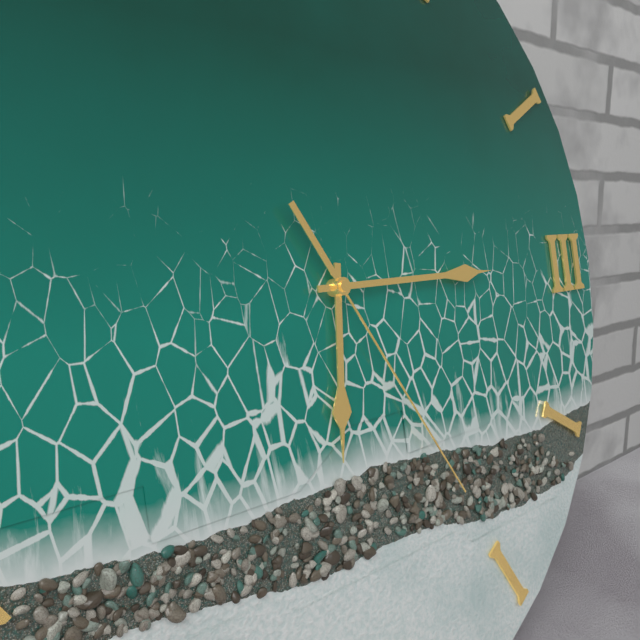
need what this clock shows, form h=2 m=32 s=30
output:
h=6 m=15 s=25
